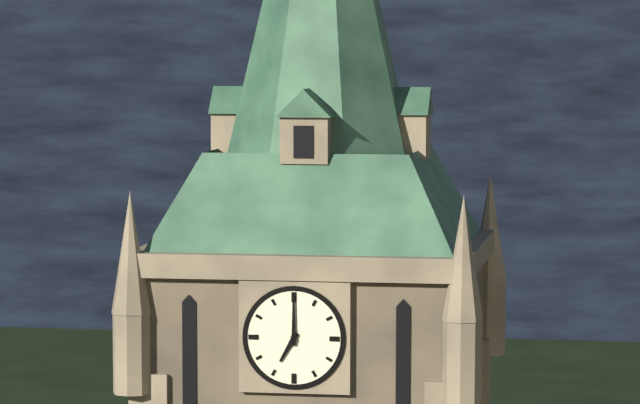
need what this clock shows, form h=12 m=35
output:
h=7 m=0
